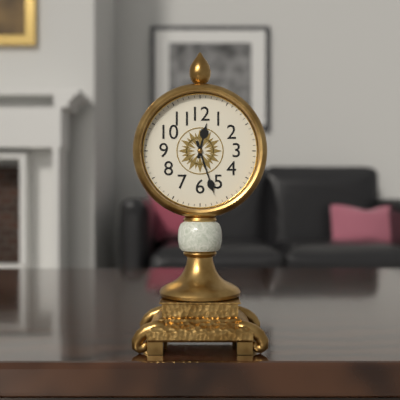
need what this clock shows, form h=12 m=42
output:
h=12 m=27
